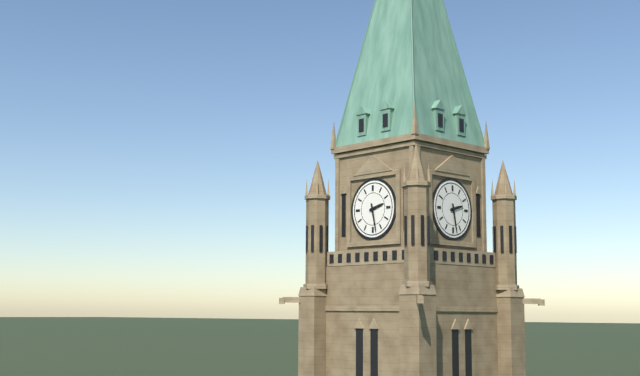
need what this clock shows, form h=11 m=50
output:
h=2 m=28
